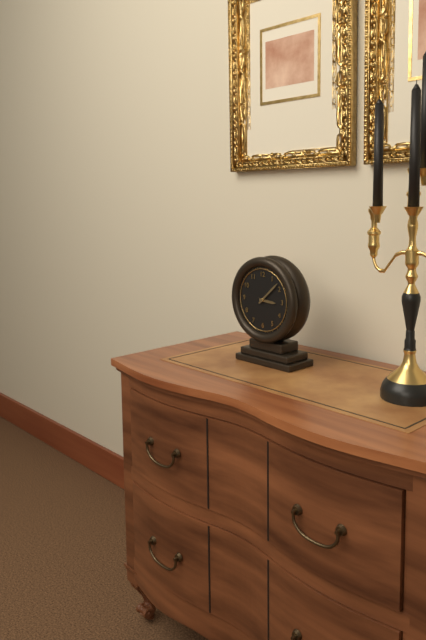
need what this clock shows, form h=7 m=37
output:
h=3 m=8
